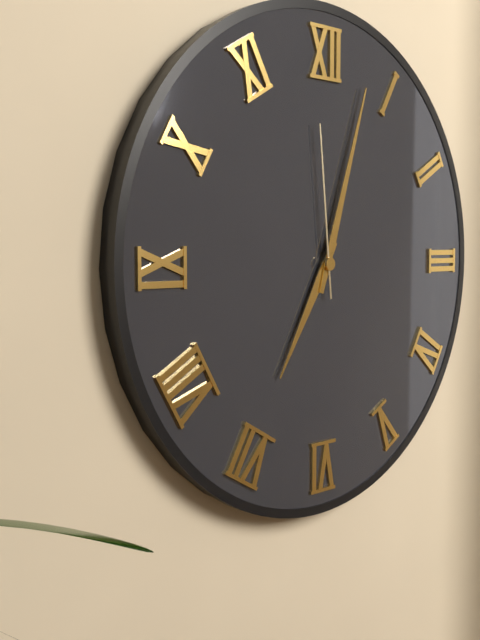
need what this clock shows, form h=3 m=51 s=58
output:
h=7 m=3 s=59
